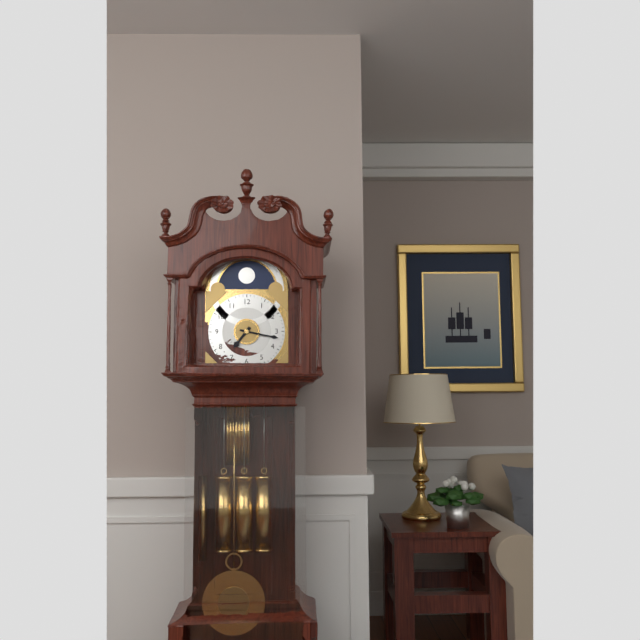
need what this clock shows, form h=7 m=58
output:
h=7 m=17
